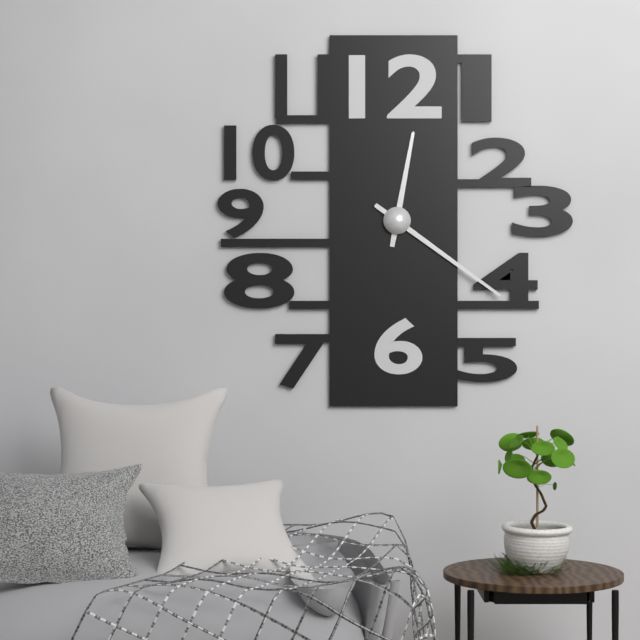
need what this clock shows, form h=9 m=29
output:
h=12 m=21
